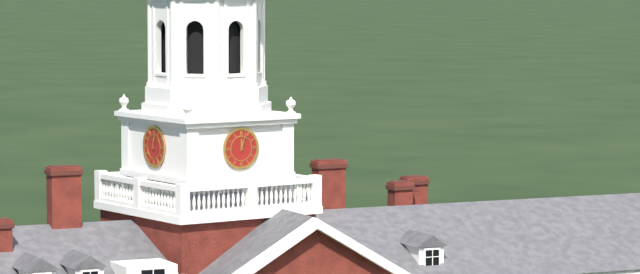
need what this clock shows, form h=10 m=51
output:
h=12 m=3
